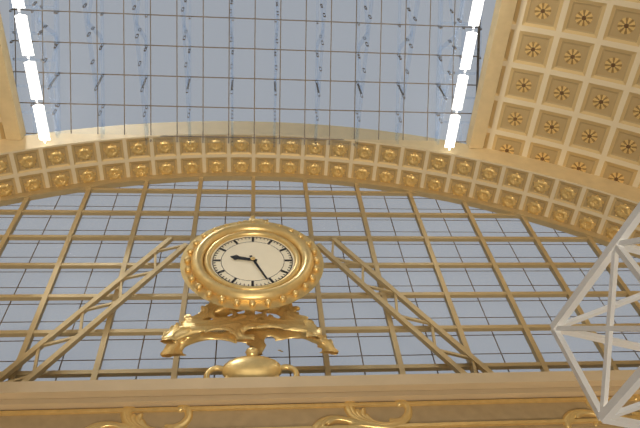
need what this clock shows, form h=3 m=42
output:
h=9 m=26
